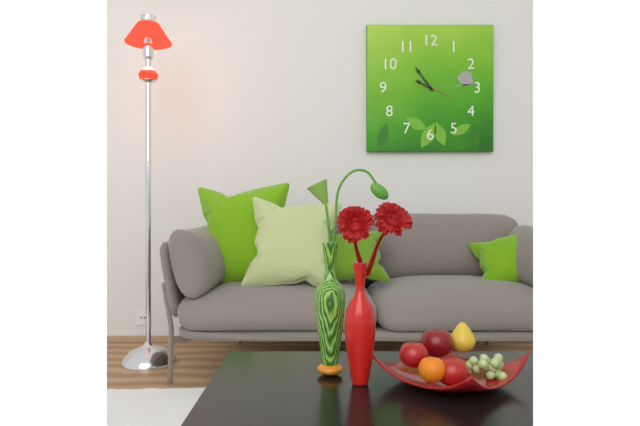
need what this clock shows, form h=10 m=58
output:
h=9 m=54
